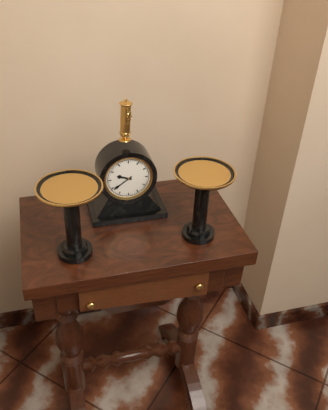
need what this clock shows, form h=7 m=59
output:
h=9 m=39
